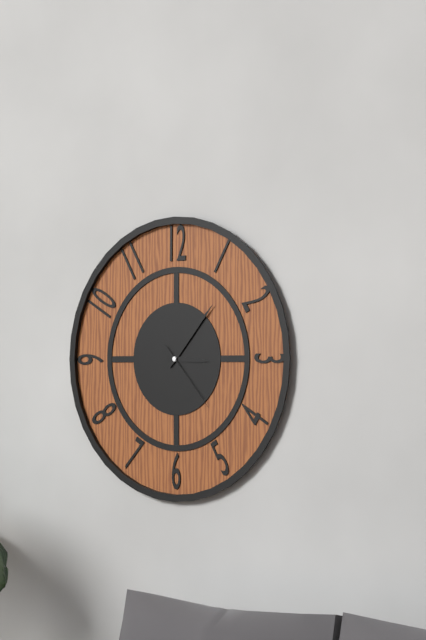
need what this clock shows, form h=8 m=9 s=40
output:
h=3 m=7 s=23
